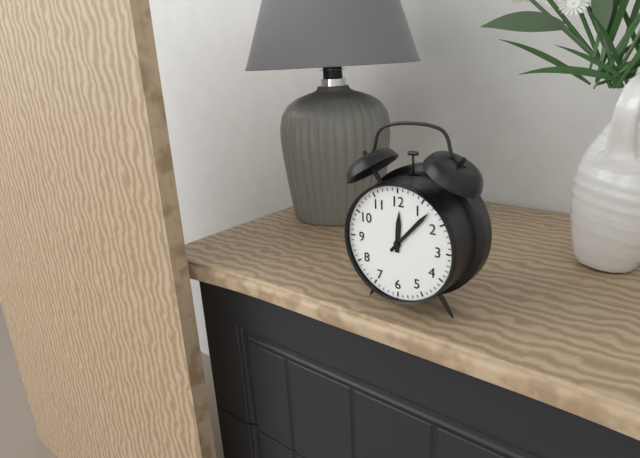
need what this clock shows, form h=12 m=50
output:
h=12 m=7
